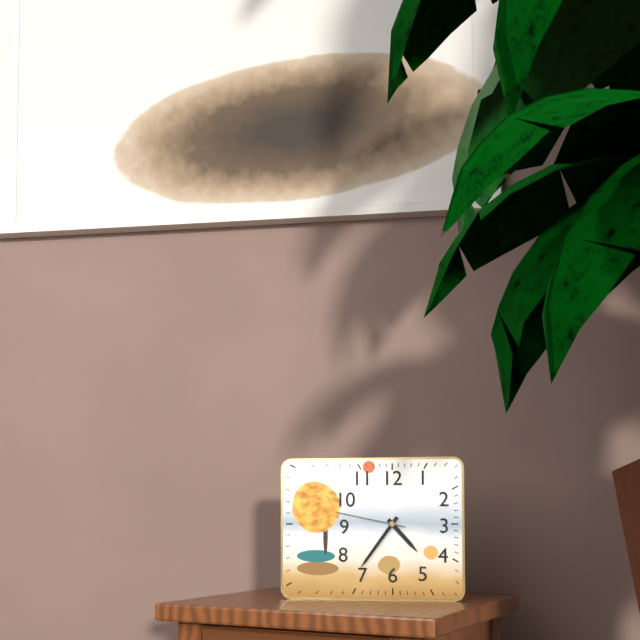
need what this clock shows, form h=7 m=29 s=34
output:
h=4 m=36 s=47
